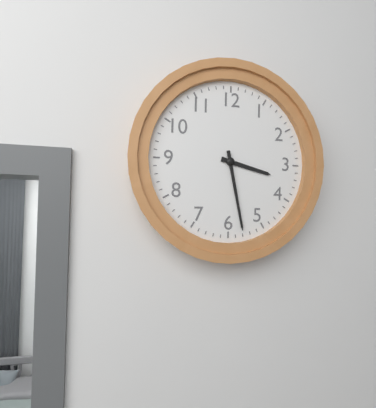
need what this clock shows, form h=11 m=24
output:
h=3 m=28
